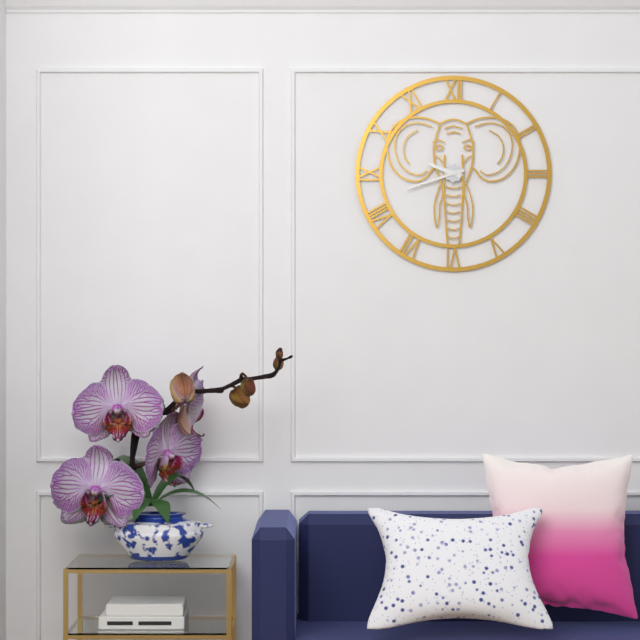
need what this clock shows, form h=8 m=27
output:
h=9 m=42
